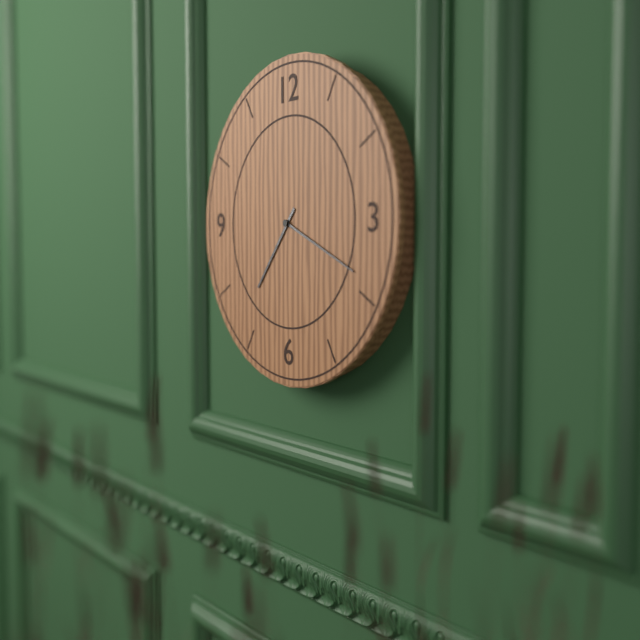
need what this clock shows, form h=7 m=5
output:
h=7 m=19
